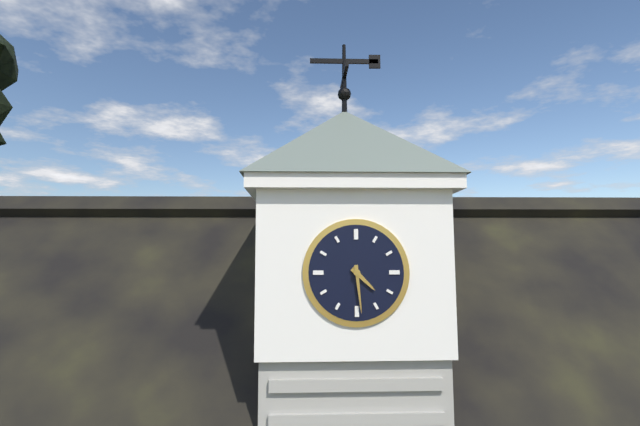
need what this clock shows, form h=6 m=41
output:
h=4 m=29
